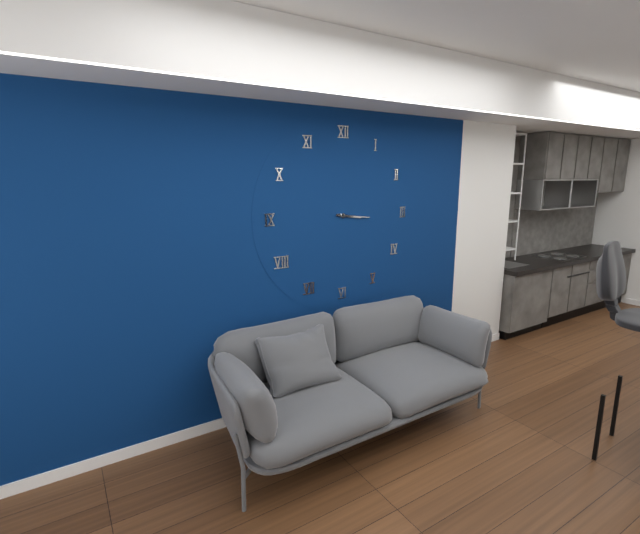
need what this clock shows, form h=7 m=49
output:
h=3 m=16
